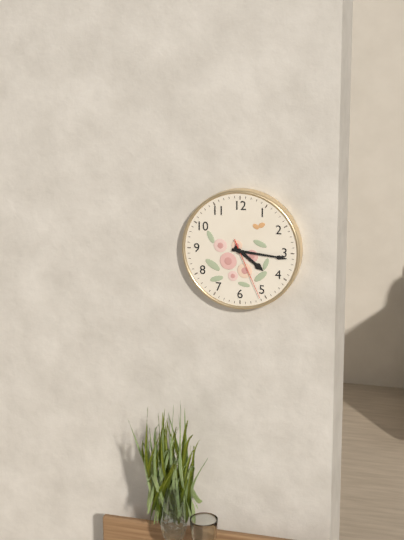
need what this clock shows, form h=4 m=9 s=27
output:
h=4 m=16 s=26
